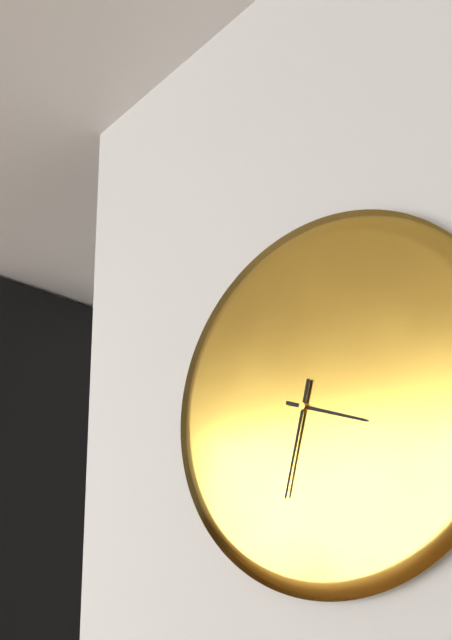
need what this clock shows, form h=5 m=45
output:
h=3 m=32
